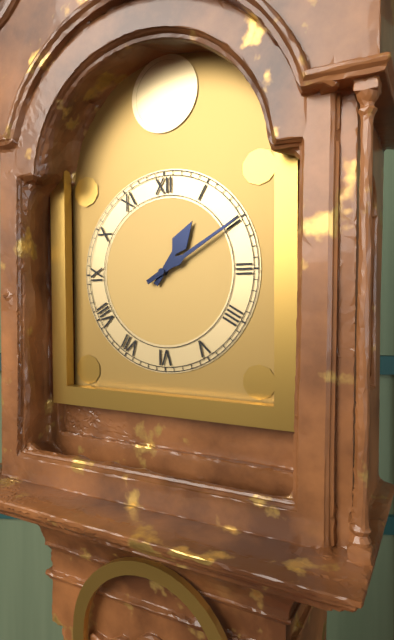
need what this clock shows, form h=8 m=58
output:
h=1 m=10
